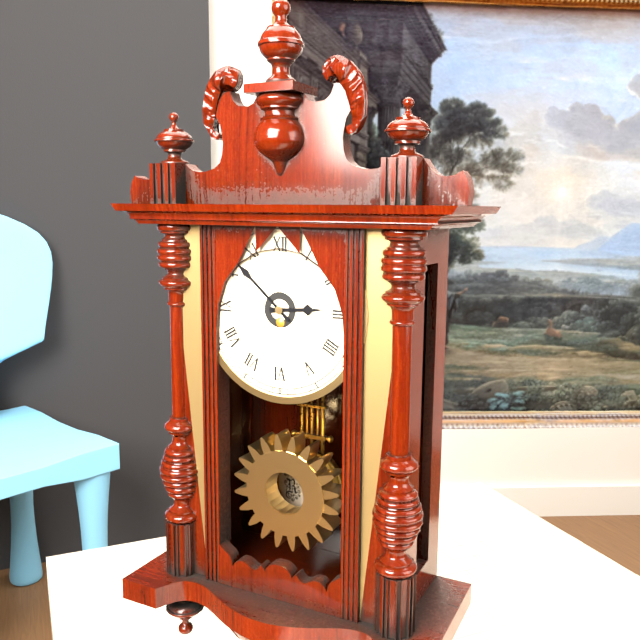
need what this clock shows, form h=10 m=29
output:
h=2 m=52
